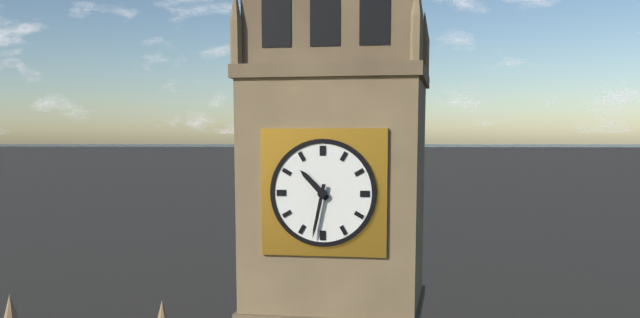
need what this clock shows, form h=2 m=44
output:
h=10 m=32
